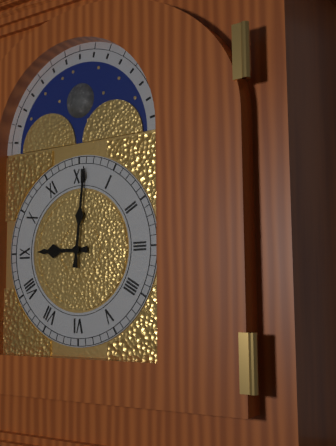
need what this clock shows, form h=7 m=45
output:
h=9 m=1
